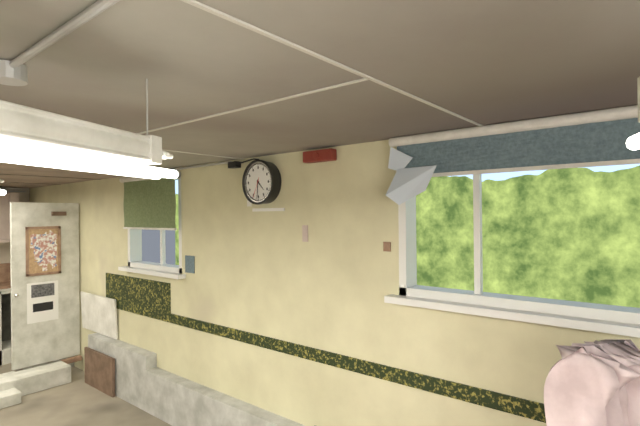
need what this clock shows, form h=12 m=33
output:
h=4 m=31
